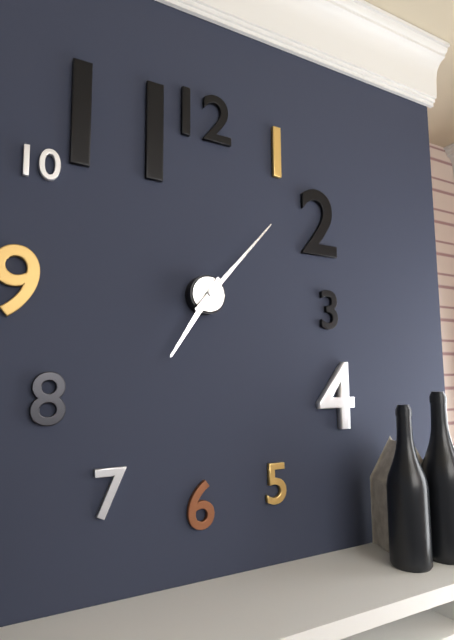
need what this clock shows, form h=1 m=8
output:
h=7 m=7
